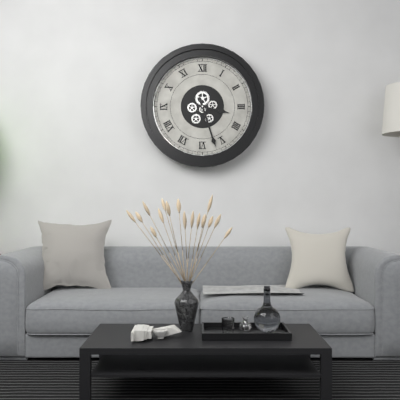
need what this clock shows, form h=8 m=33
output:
h=3 m=27
